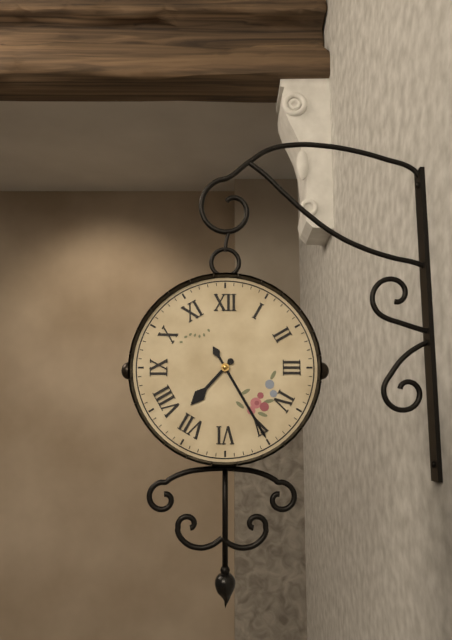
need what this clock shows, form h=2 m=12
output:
h=7 m=25
